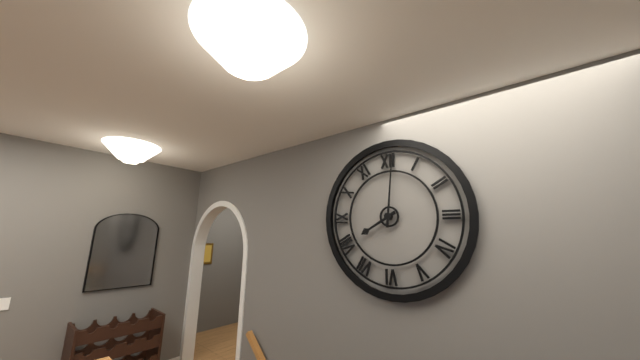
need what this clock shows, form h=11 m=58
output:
h=8 m=1
